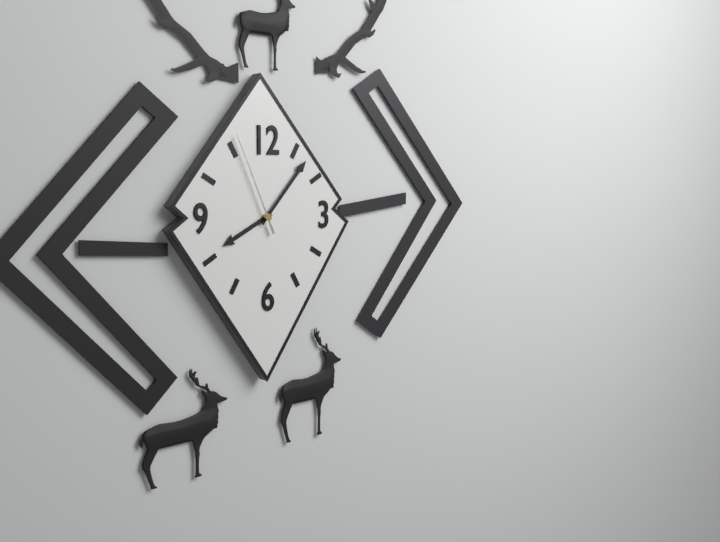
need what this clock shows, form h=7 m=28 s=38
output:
h=8 m=7 s=56
